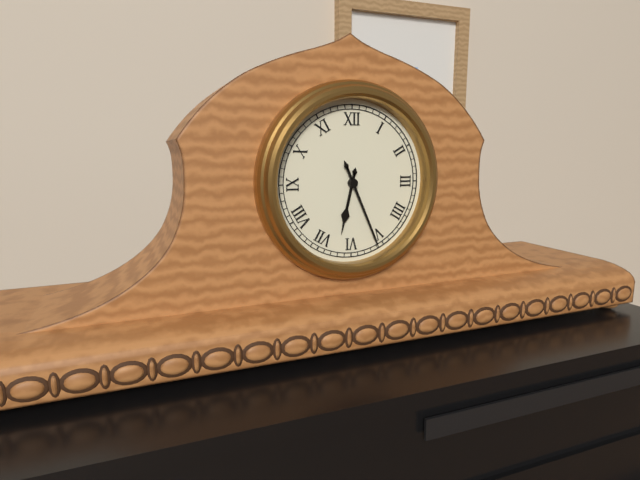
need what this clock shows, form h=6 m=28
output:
h=6 m=26
